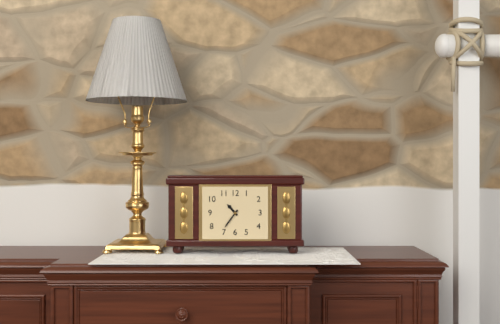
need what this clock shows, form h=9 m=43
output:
h=10 m=36
